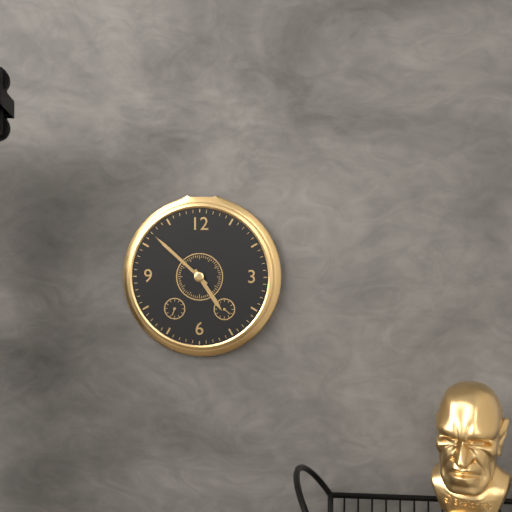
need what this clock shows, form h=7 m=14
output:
h=4 m=52
